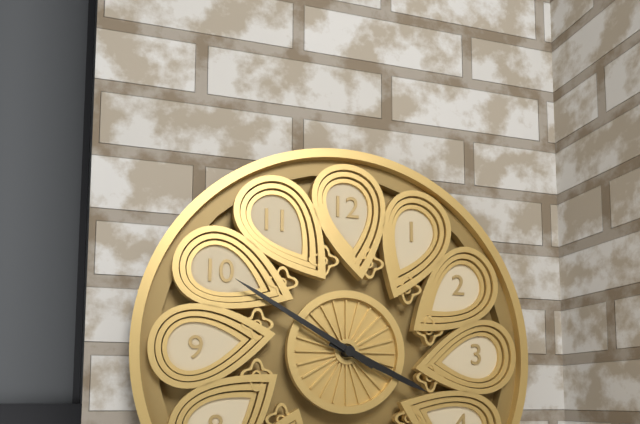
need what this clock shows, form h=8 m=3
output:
h=3 m=50
